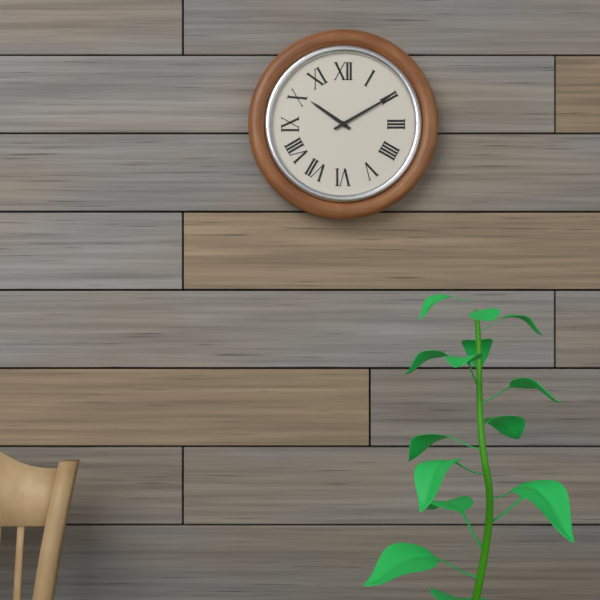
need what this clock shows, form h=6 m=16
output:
h=10 m=10
